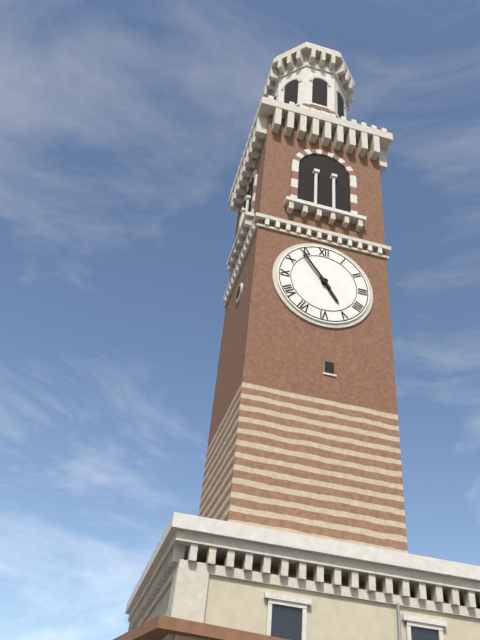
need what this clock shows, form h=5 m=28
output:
h=4 m=54
